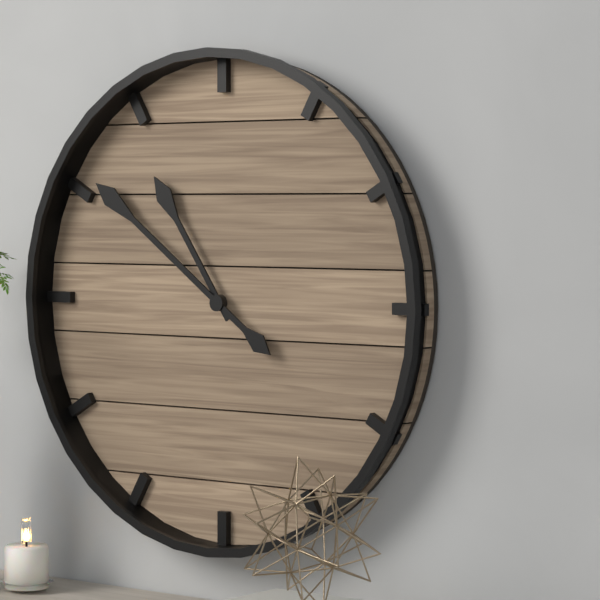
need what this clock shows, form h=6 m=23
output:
h=10 m=51
